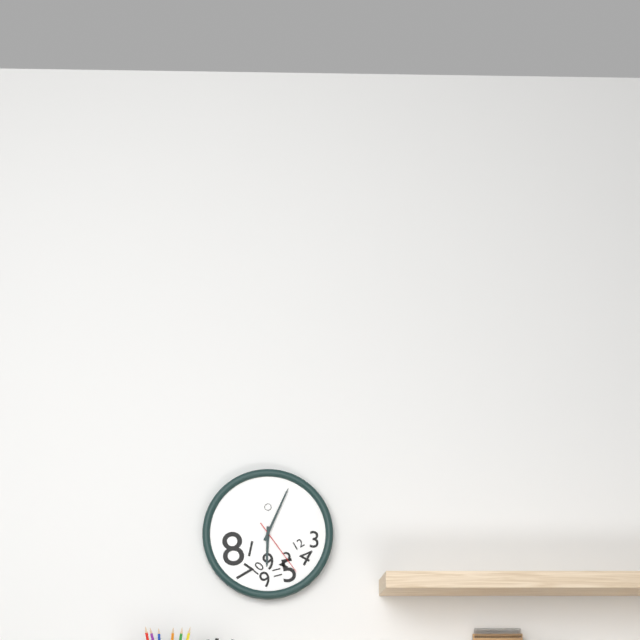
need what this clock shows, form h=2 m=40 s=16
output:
h=6 m=4 s=24
